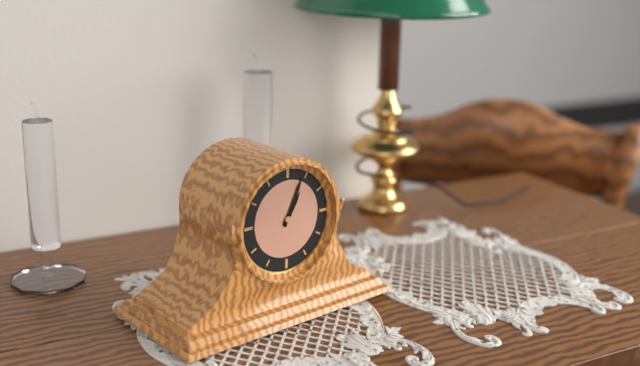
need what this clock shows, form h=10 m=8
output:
h=1 m=4
